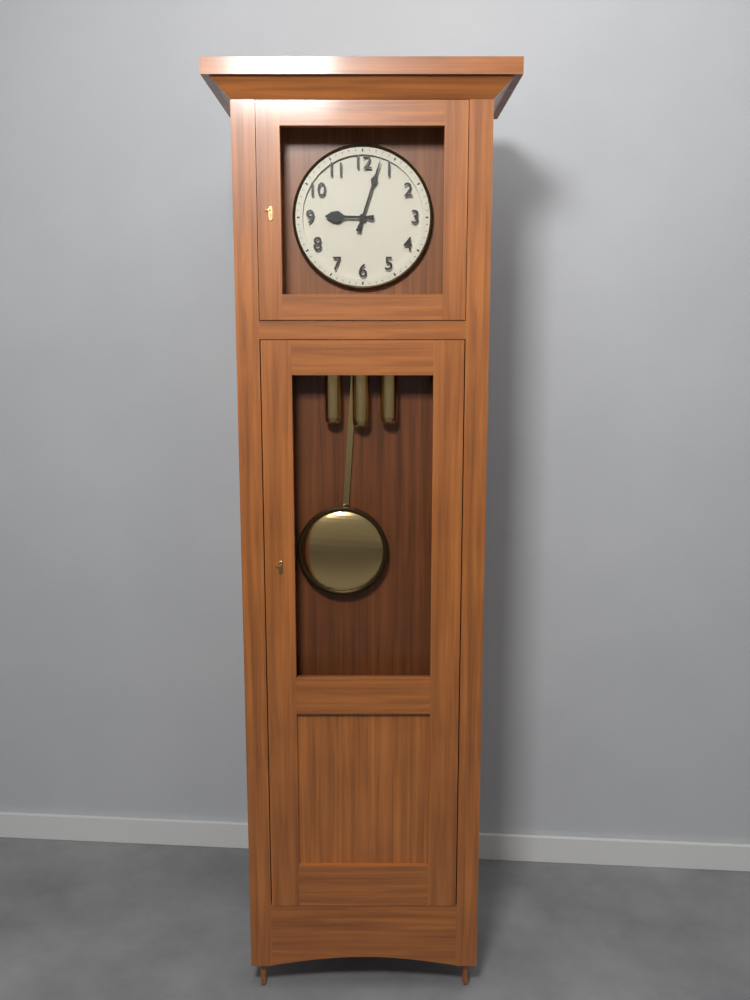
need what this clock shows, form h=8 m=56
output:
h=9 m=3
